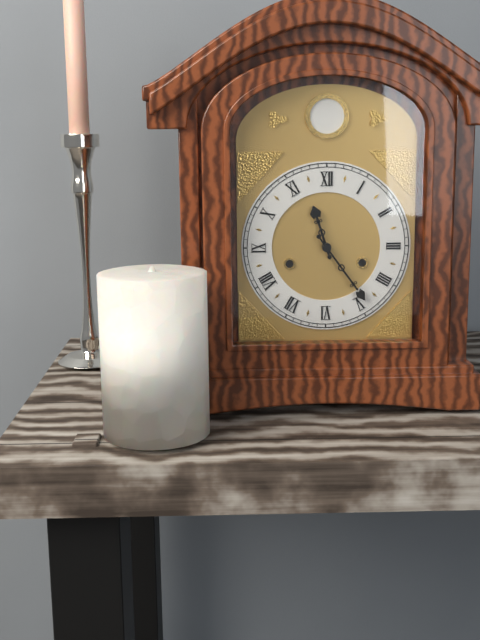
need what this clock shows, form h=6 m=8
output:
h=11 m=24
